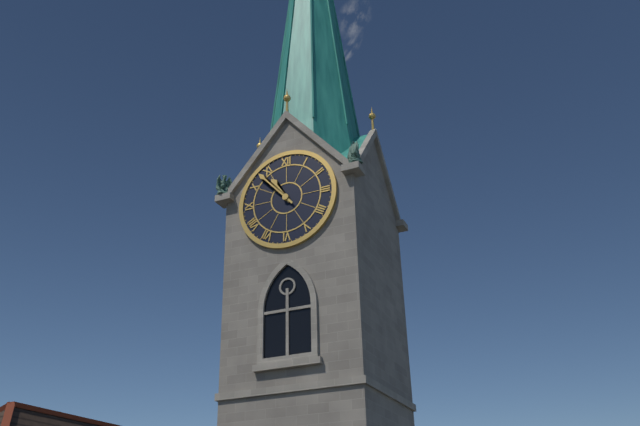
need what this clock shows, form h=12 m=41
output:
h=10 m=53
